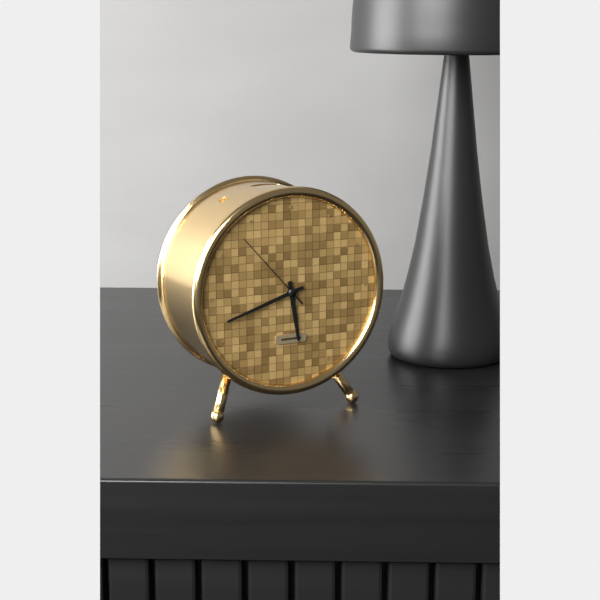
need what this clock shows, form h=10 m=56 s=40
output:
h=5 m=42 s=53
